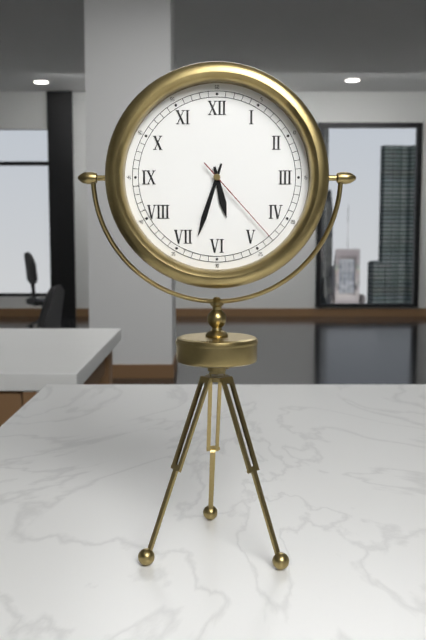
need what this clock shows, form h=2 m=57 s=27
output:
h=5 m=33 s=23
